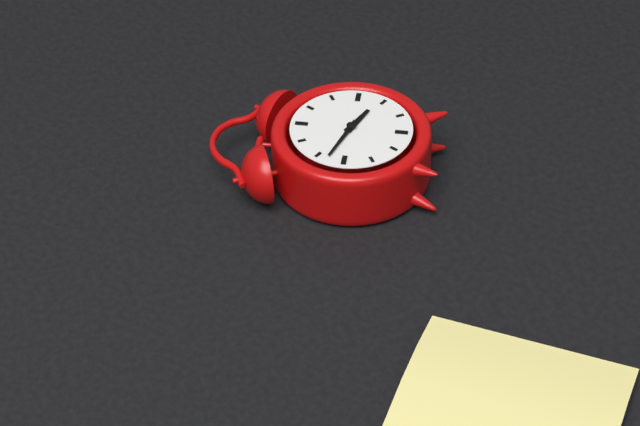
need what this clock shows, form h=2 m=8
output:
h=3 m=48
